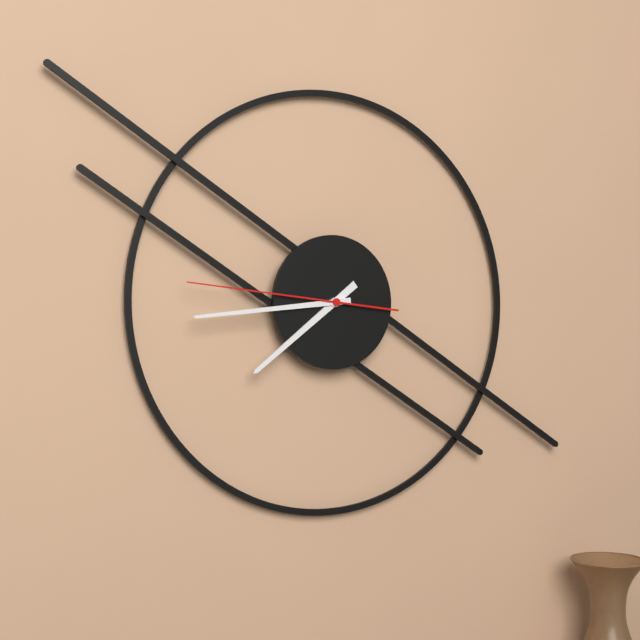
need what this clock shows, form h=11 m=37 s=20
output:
h=7 m=44 s=46
